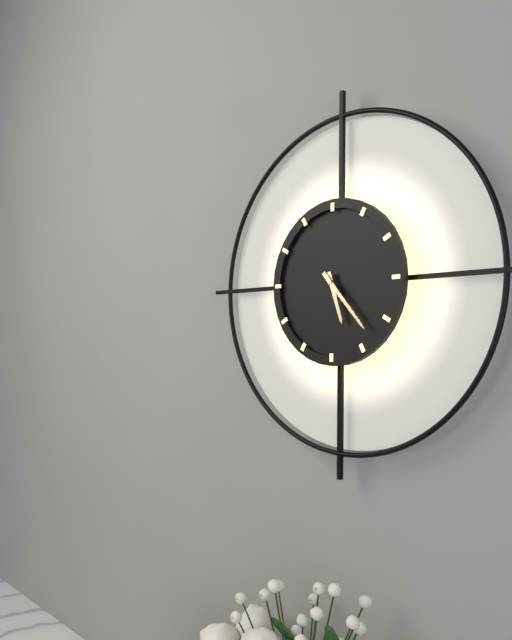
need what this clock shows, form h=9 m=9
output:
h=5 m=23
